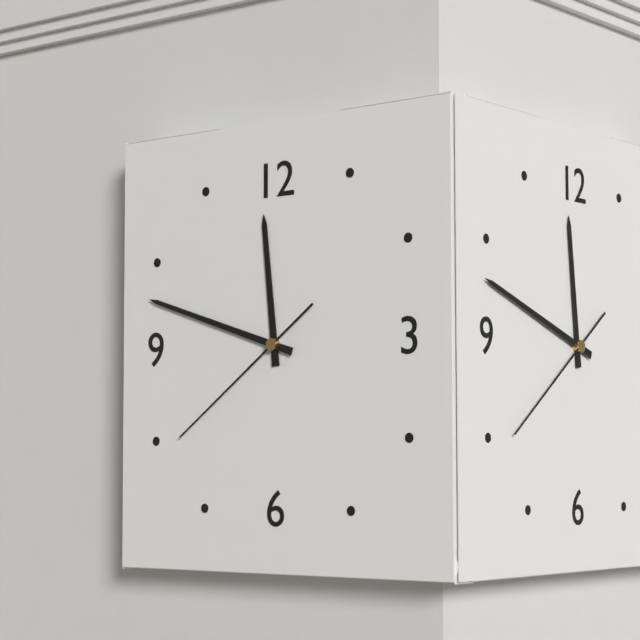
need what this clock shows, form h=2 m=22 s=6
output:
h=11 m=48 s=39
